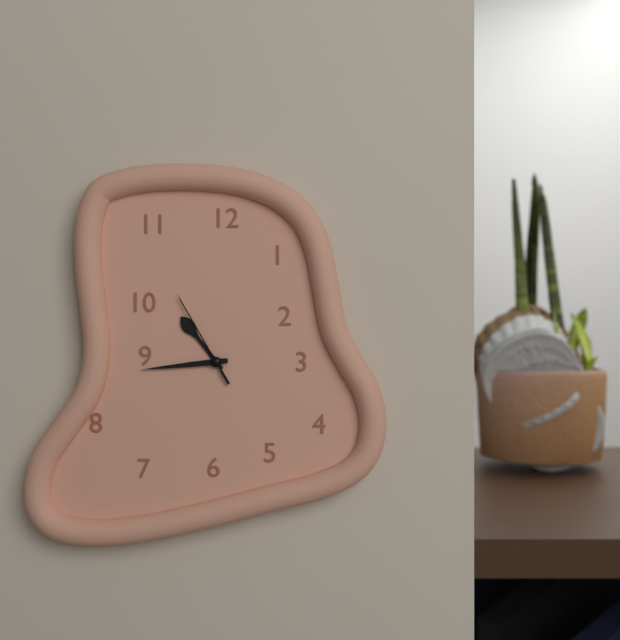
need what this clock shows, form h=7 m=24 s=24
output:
h=10 m=44 s=55
